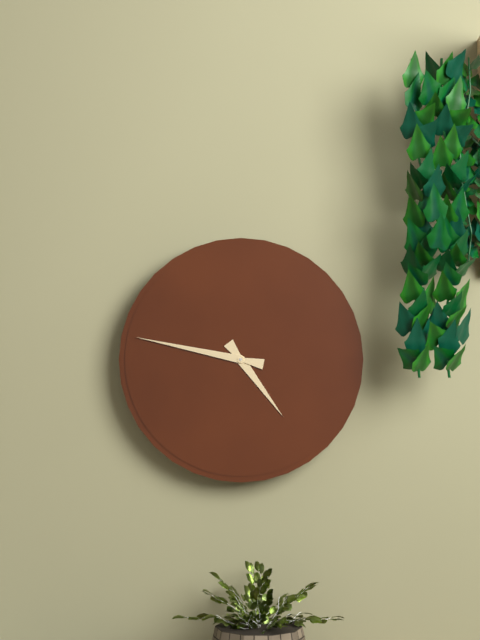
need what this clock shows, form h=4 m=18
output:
h=4 m=47
